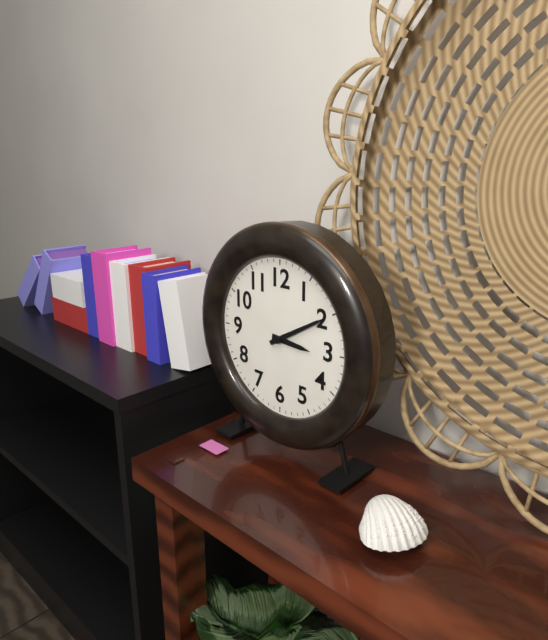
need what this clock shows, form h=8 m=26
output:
h=3 m=10
